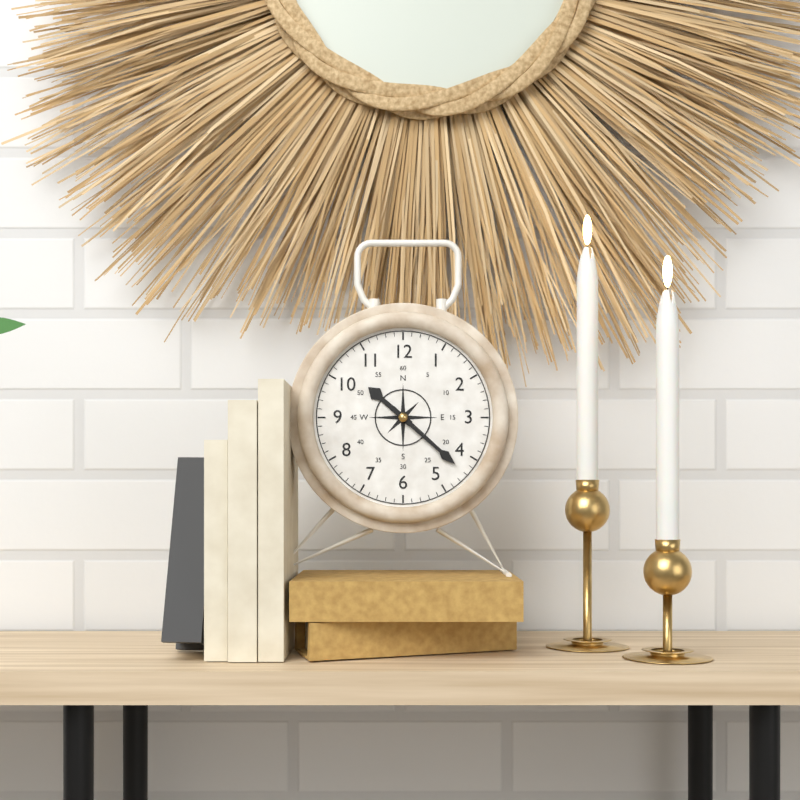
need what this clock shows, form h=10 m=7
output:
h=10 m=22
